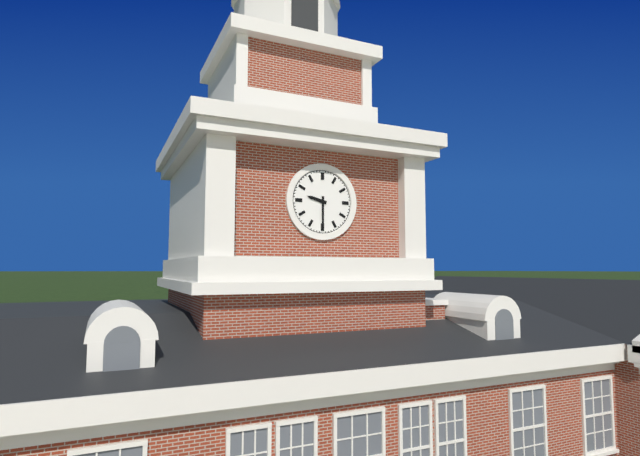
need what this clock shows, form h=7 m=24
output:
h=9 m=30
